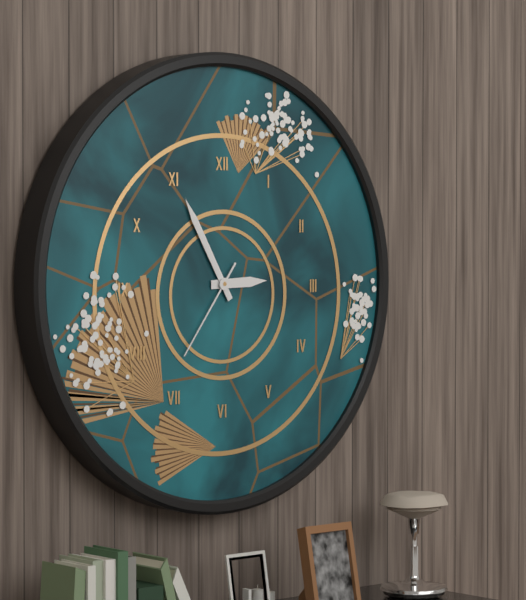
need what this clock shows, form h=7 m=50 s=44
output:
h=2 m=55 s=36
